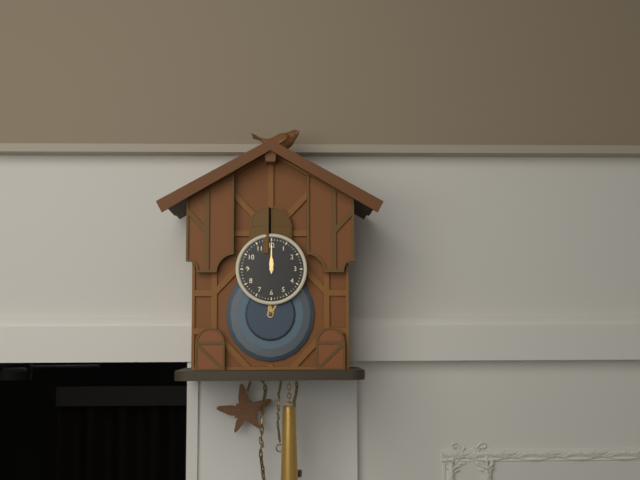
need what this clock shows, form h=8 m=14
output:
h=12 m=0
